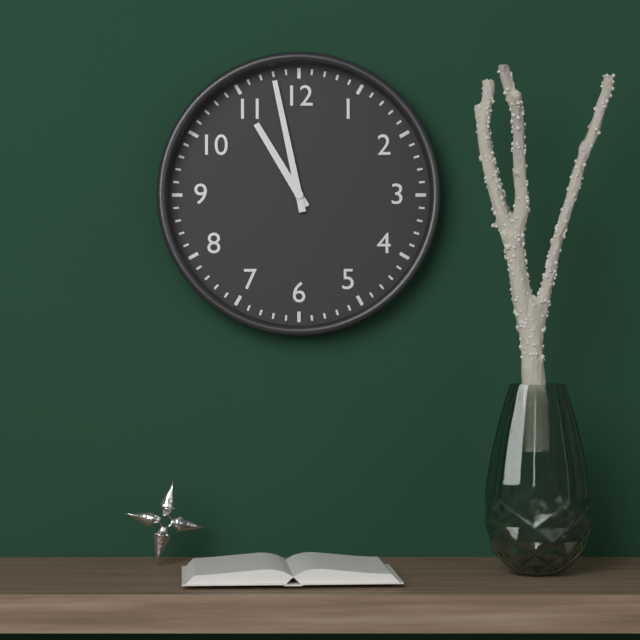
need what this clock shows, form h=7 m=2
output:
h=10 m=58
